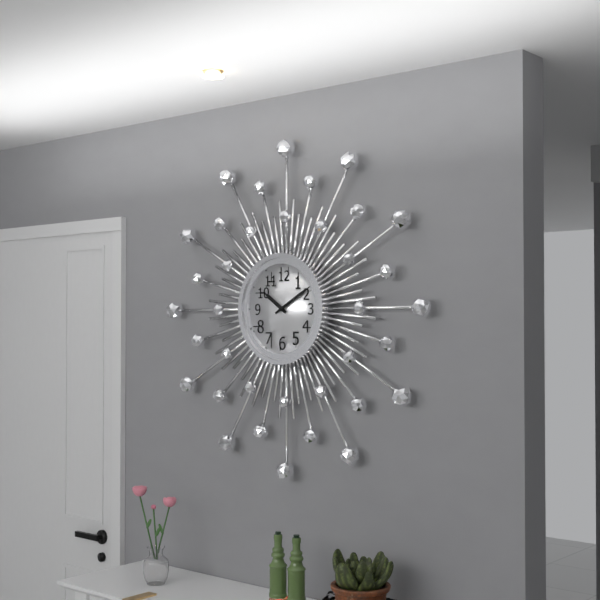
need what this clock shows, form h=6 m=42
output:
h=10 m=10
